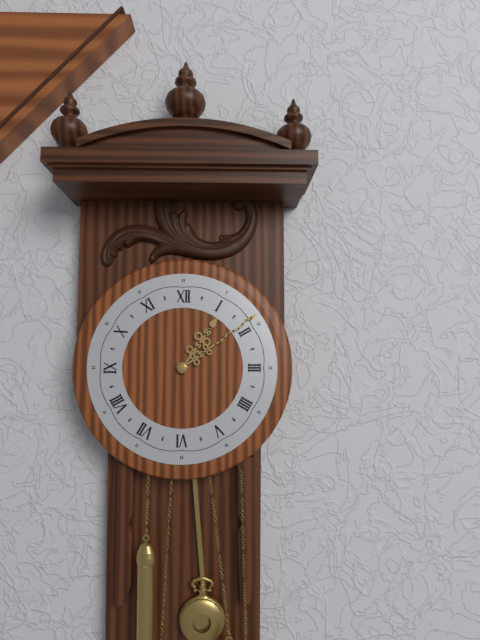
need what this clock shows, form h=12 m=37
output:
h=1 m=9
